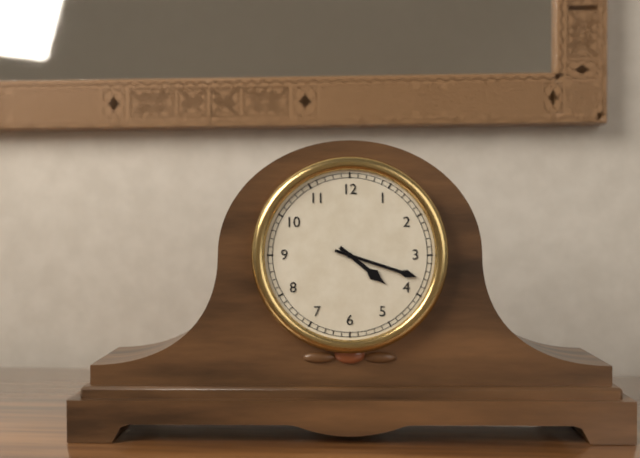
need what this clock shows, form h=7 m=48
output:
h=4 m=18
